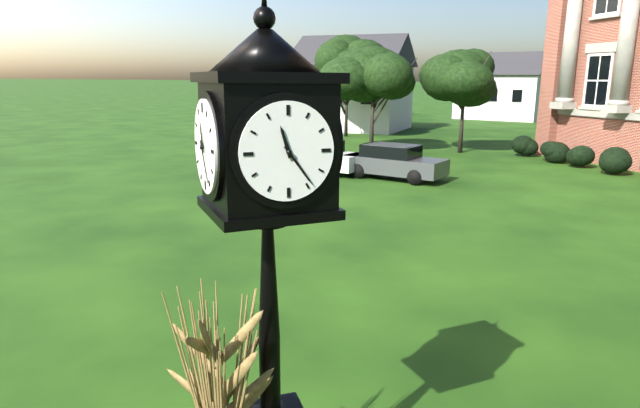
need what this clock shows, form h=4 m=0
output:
h=11 m=24
